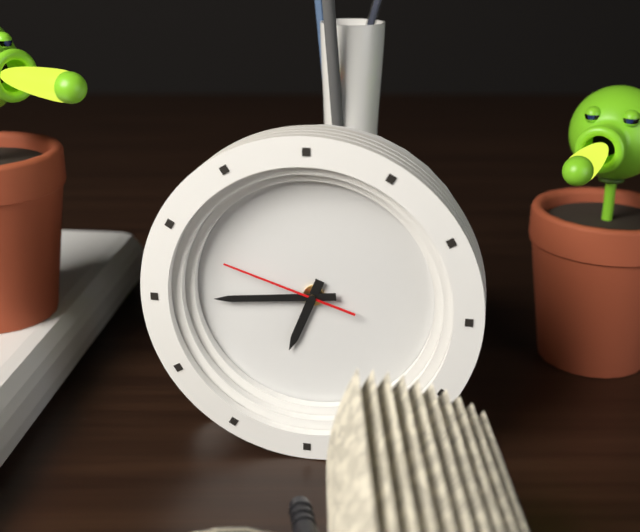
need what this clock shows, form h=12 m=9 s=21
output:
h=6 m=44 s=48
